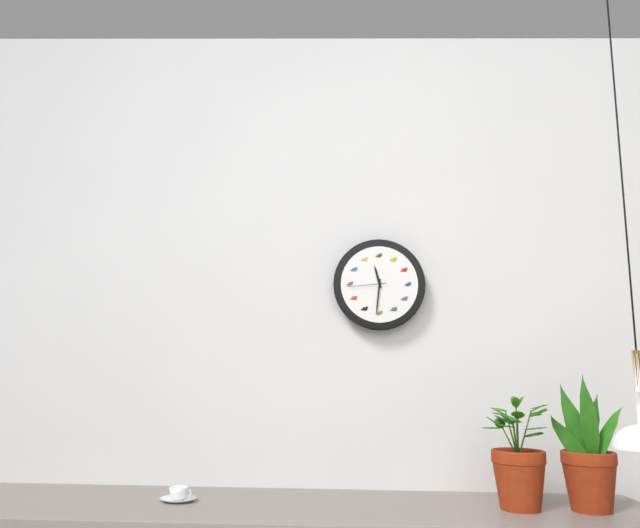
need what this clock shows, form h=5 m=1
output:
h=11 m=31
